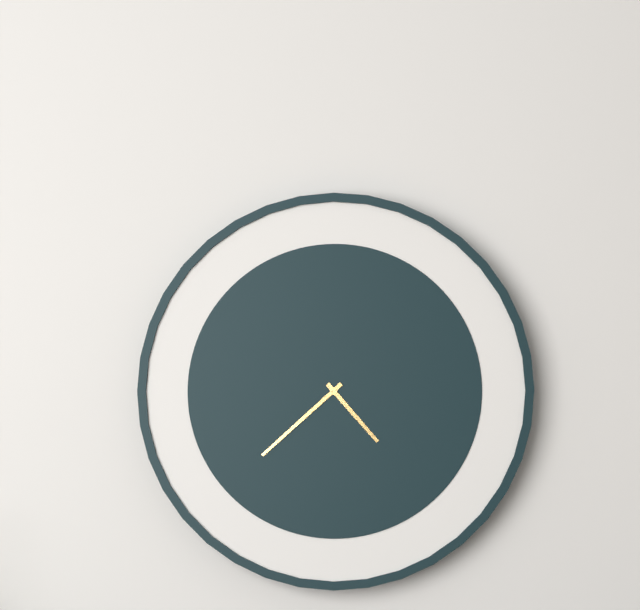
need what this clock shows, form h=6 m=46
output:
h=4 m=38
